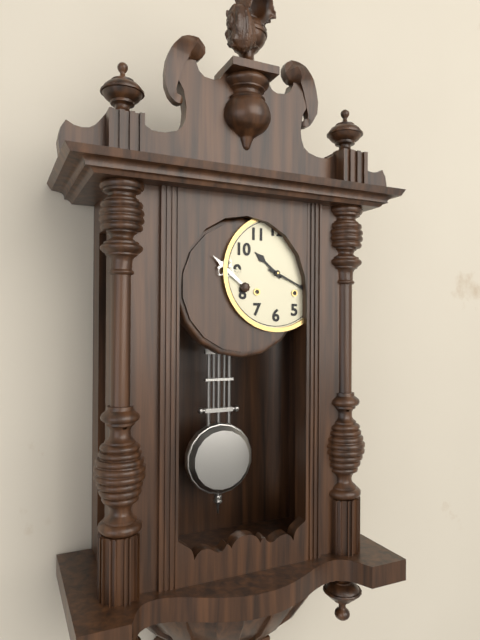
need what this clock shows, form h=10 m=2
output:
h=10 m=19
